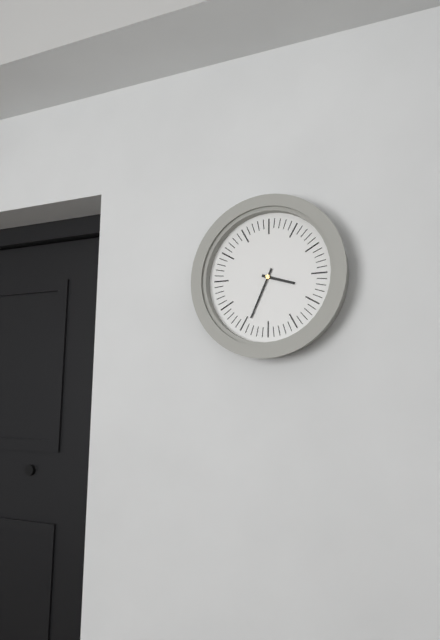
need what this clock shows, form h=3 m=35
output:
h=3 m=34
